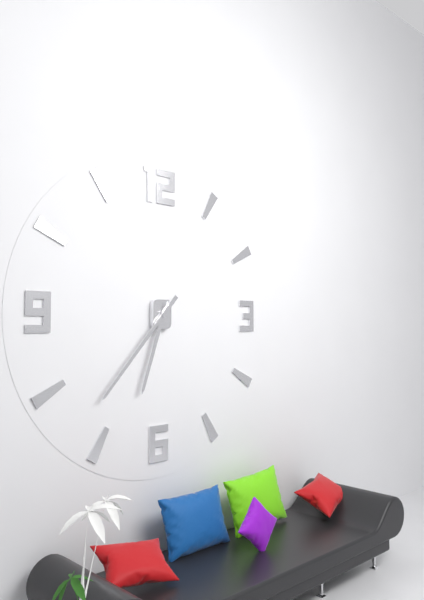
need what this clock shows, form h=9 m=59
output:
h=6 m=37
